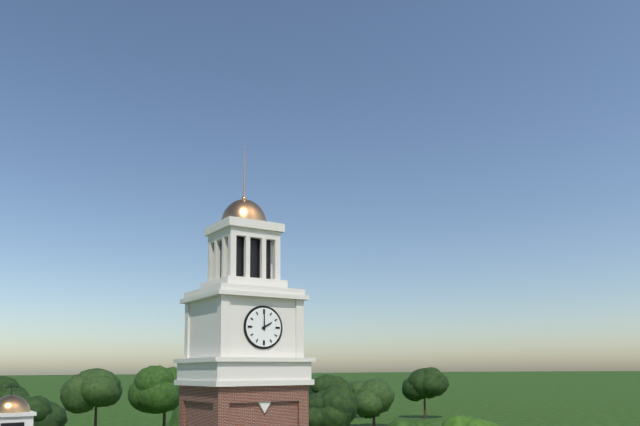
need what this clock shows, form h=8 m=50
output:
h=2 m=0
